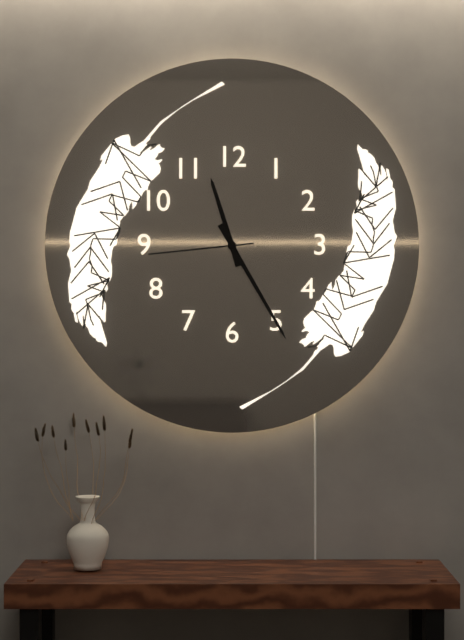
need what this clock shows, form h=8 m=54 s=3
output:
h=11 m=25 s=44
